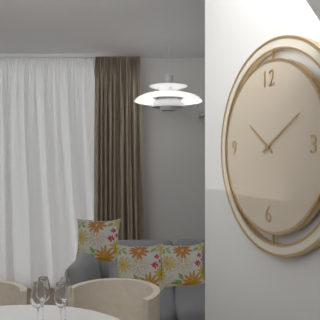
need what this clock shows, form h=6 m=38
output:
h=10 m=10
